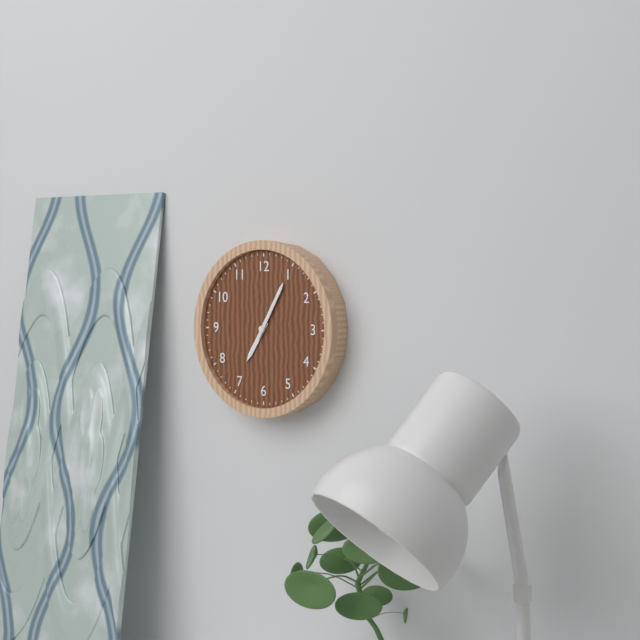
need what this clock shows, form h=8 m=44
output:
h=7 m=5
